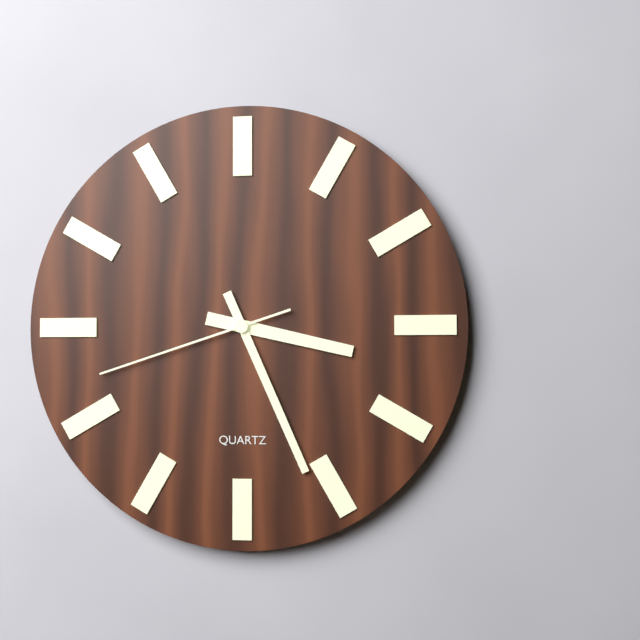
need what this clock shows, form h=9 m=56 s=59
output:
h=3 m=26 s=42
